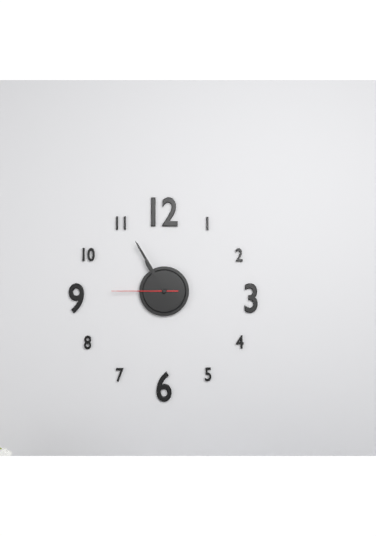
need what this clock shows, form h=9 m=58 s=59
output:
h=10 m=55 s=45
